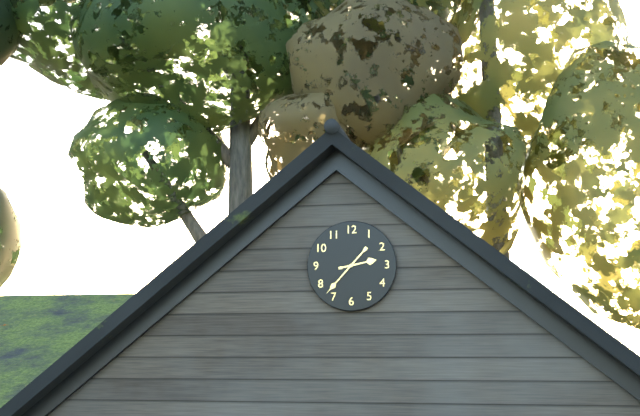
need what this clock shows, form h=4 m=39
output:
h=2 m=37
